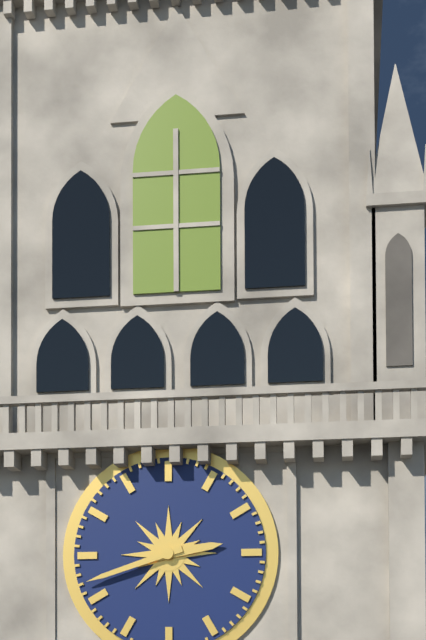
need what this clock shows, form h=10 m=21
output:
h=2 m=42
